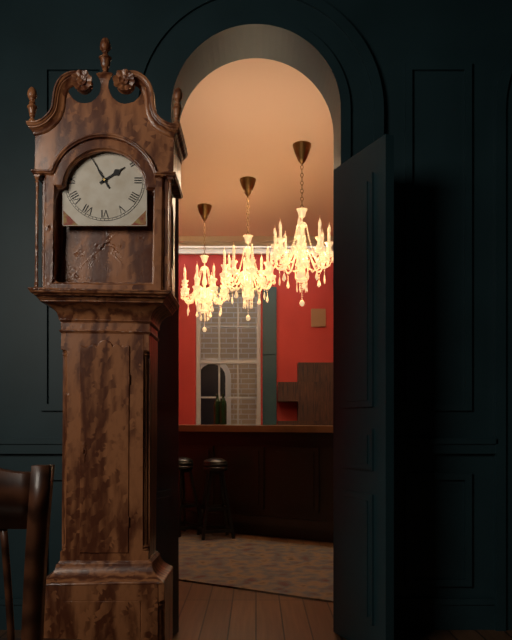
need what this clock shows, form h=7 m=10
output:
h=1 m=55
